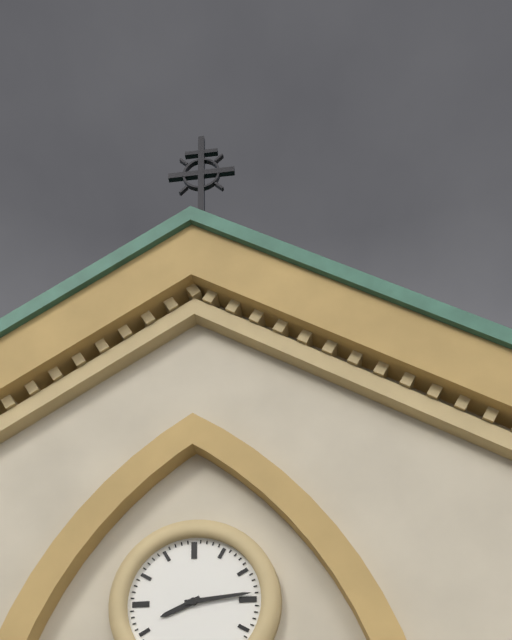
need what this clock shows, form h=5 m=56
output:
h=8 m=14
